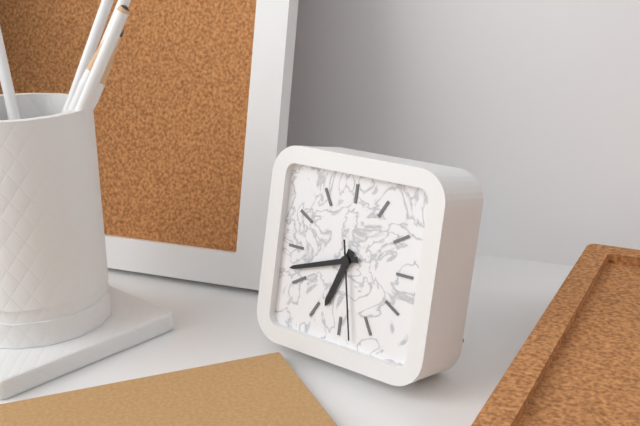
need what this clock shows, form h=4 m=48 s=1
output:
h=6 m=42 s=28
